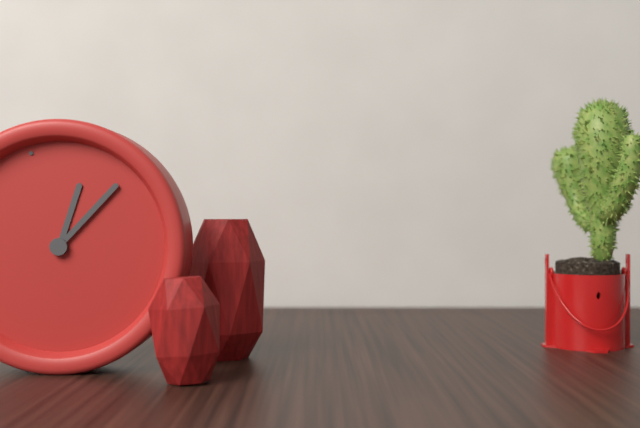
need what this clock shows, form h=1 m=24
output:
h=1 m=10
